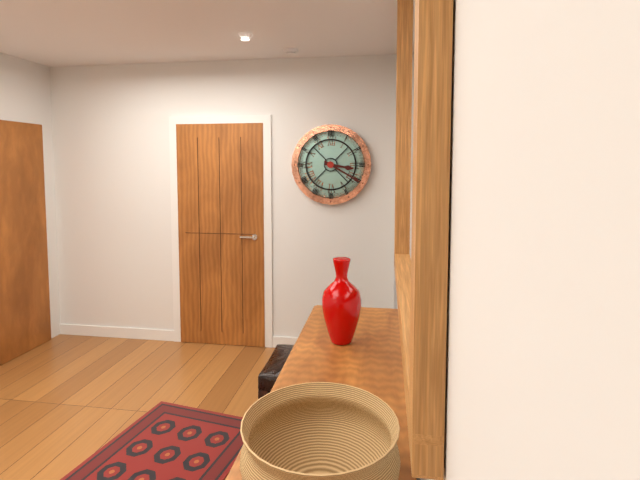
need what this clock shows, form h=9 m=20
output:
h=3 m=20
